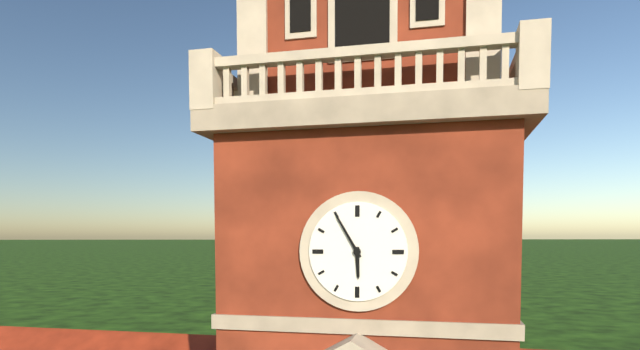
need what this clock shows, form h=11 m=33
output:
h=5 m=55
